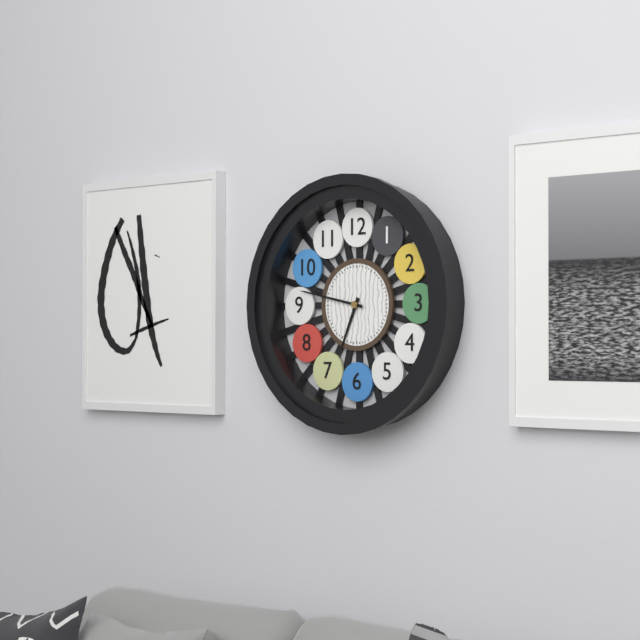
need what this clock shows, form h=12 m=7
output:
h=6 m=47
